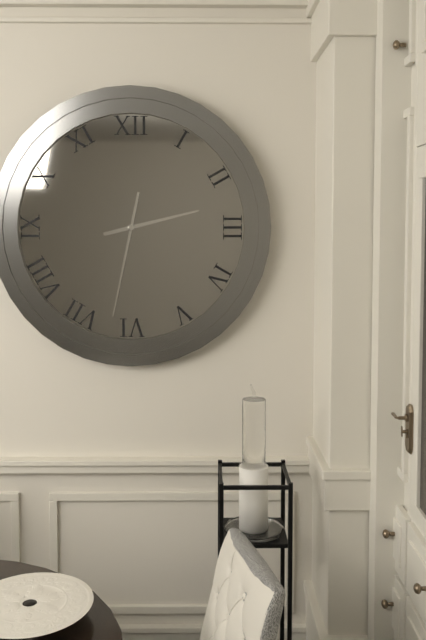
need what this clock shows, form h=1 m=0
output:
h=2 m=32
